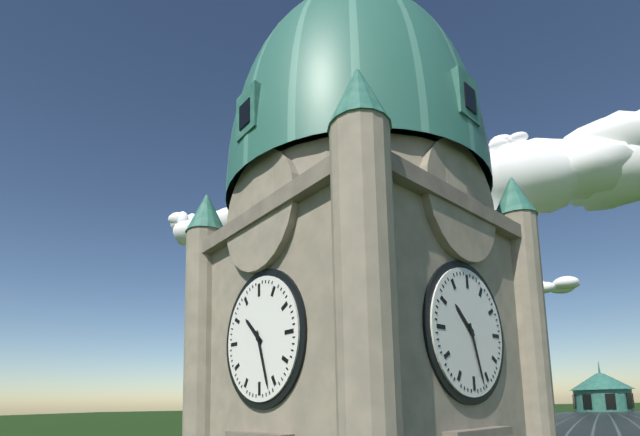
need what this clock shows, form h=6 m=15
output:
h=10 m=27
